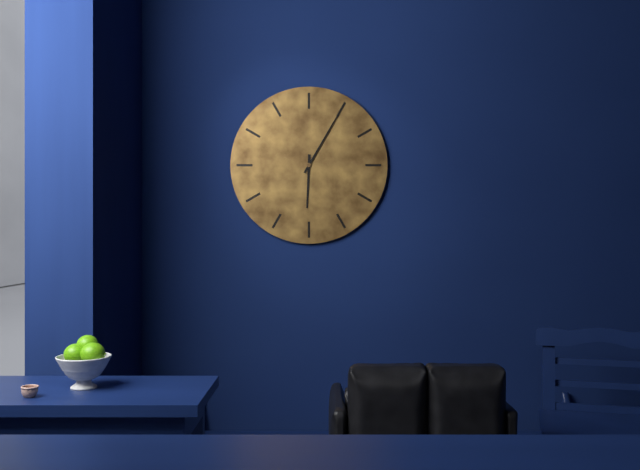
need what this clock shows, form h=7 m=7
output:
h=6 m=5
